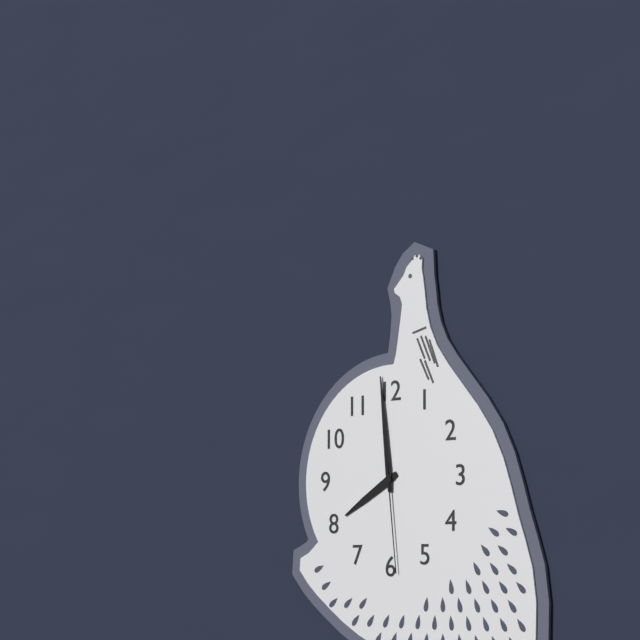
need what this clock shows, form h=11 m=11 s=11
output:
h=7 m=59 s=29
